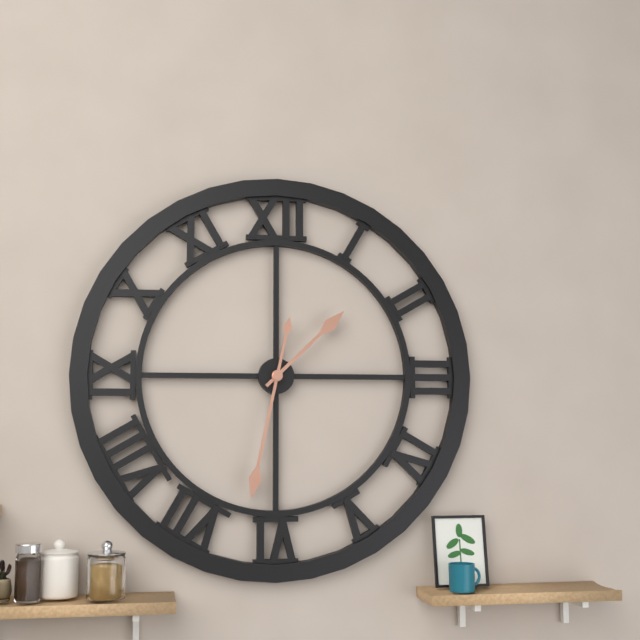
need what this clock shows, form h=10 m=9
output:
h=1 m=32
